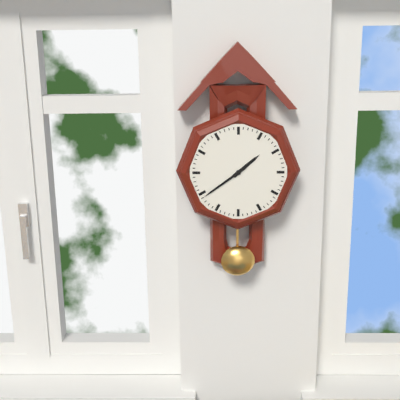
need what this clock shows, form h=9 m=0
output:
h=1 m=39
